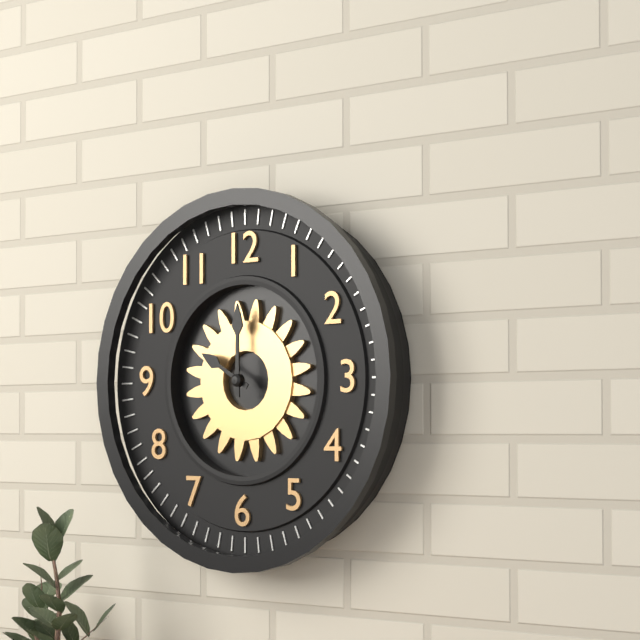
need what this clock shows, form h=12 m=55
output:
h=10 m=0
